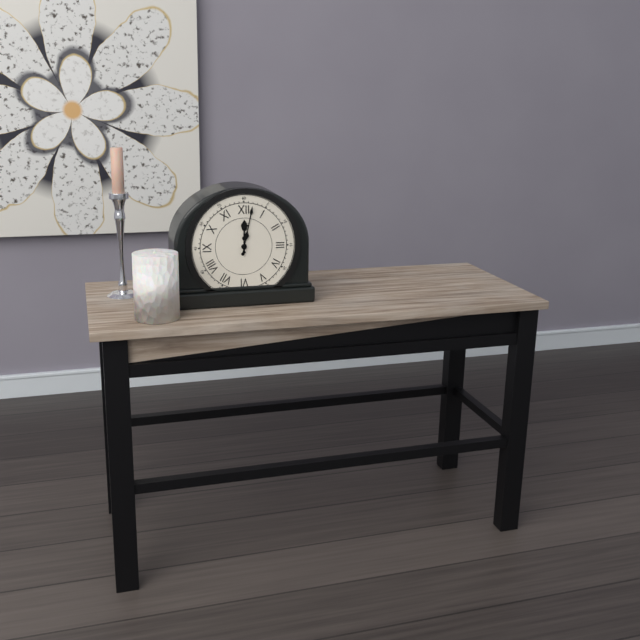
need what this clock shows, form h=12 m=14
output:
h=12 m=2
